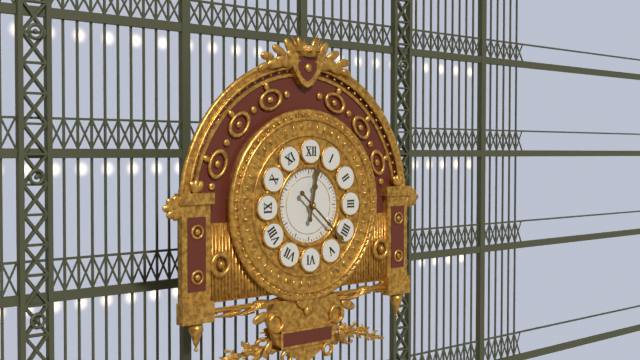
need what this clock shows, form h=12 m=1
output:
h=12 m=22
